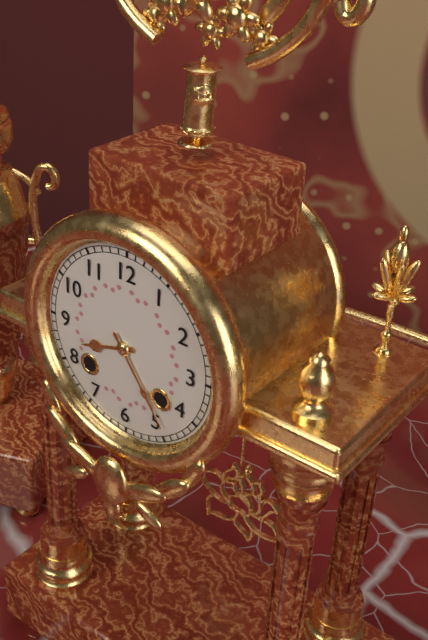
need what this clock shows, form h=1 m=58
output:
h=8 m=24
